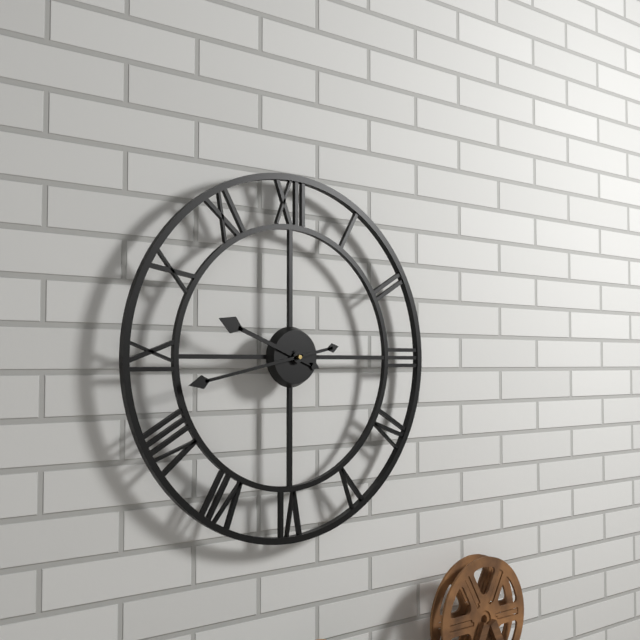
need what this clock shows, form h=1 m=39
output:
h=9 m=43
